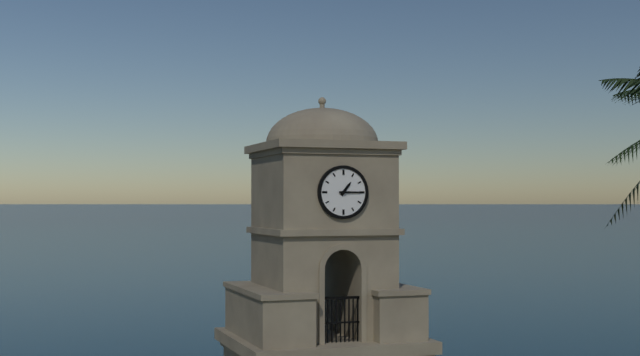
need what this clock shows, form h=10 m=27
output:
h=1 m=15
